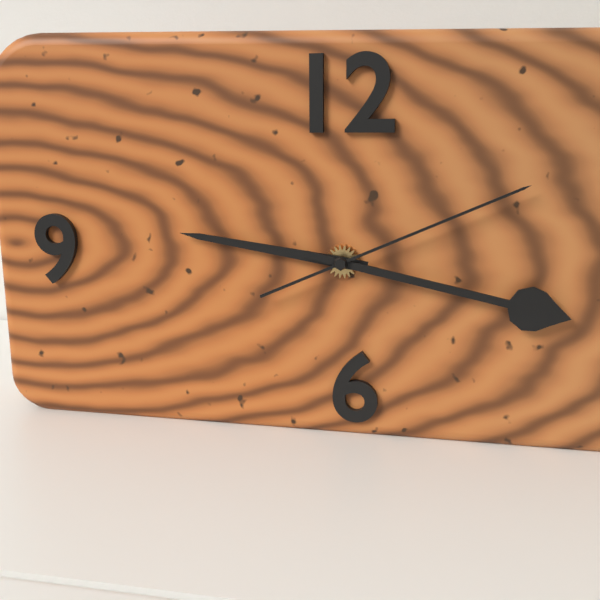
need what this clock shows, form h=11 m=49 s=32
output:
h=9 m=17 s=11
